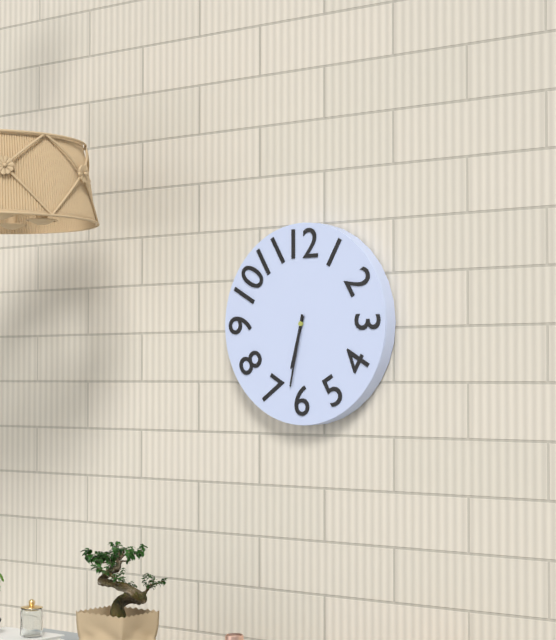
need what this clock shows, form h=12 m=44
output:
h=6 m=32
